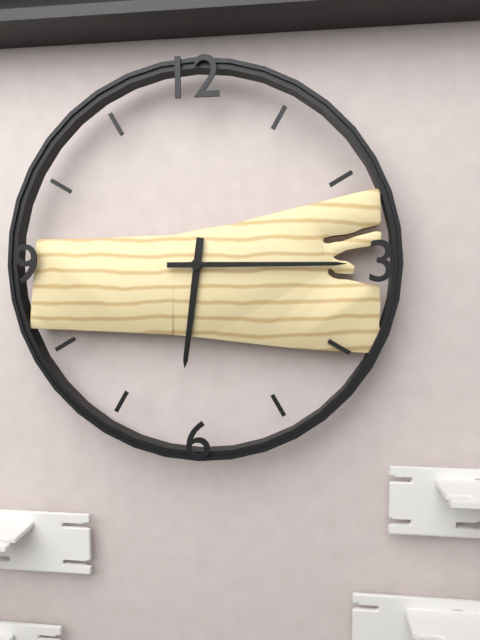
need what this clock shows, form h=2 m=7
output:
h=6 m=15
